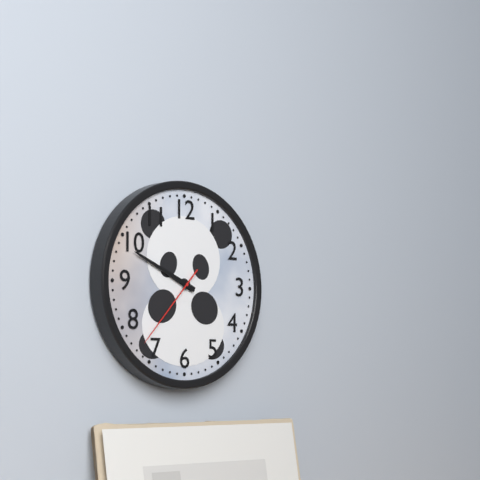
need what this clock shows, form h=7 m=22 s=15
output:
h=9 m=49 s=37
